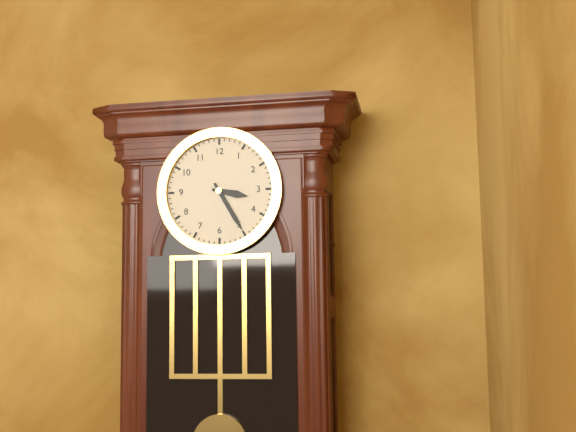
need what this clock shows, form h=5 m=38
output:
h=3 m=25
